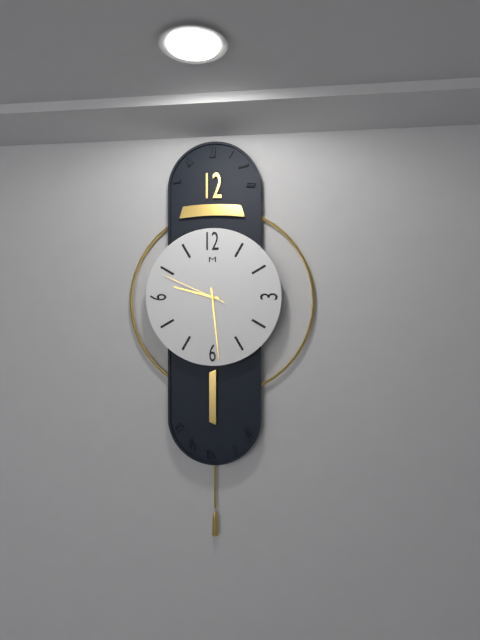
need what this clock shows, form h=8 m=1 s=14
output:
h=9 m=29 s=49
